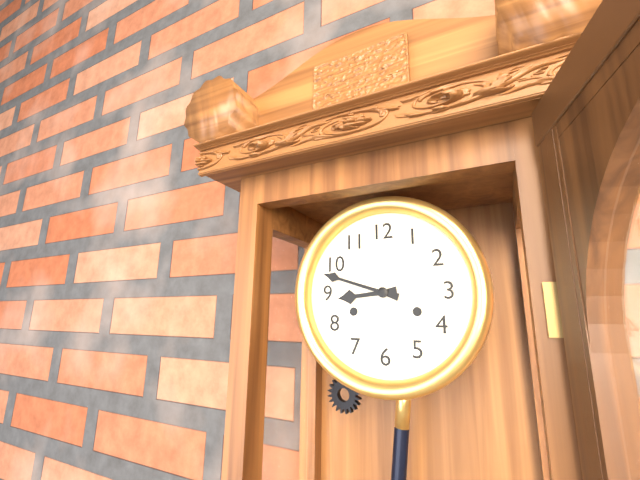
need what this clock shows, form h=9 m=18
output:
h=8 m=48
